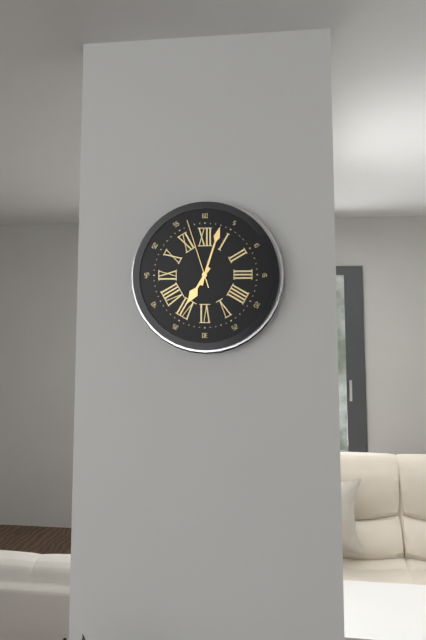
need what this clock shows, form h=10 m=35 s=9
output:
h=7 m=3 s=57
